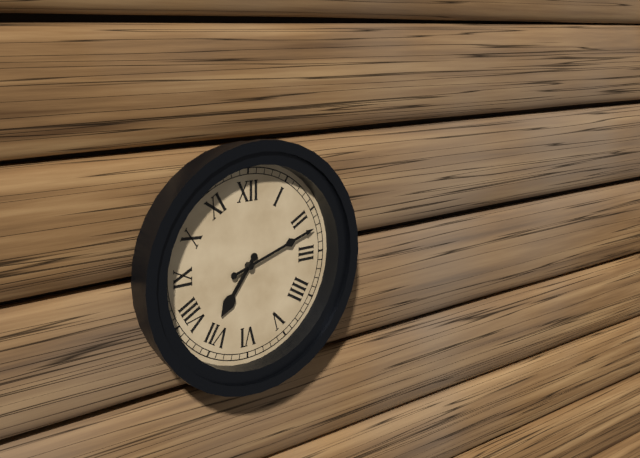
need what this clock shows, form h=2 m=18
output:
h=7 m=12
